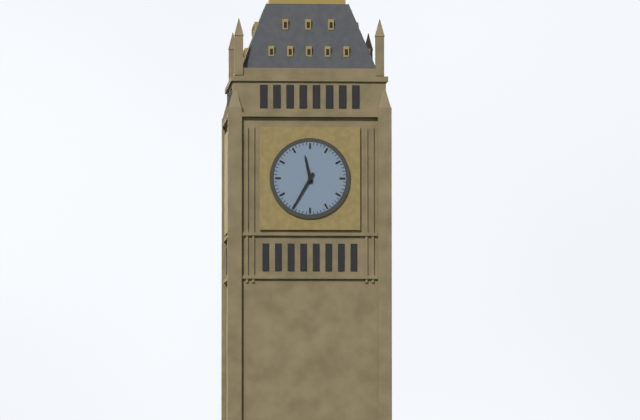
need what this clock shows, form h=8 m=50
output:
h=11 m=35
